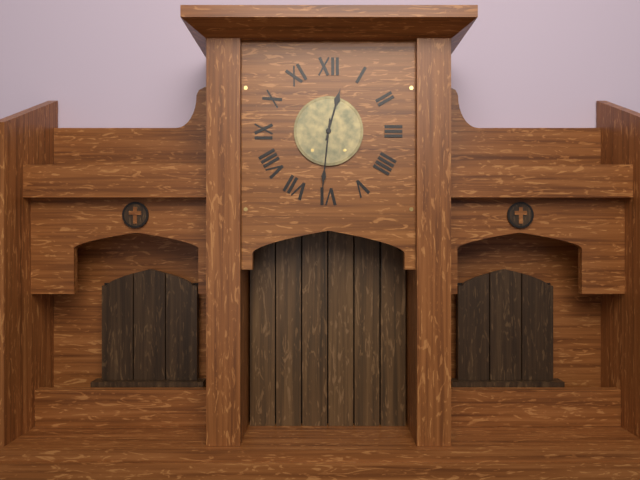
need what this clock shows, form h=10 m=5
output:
h=12 m=31
